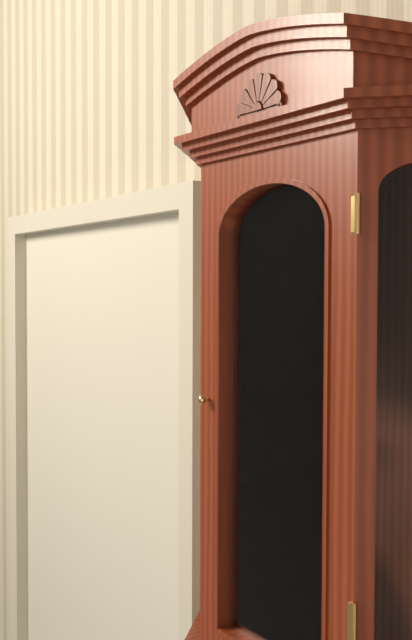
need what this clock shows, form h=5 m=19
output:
h=12 m=29
